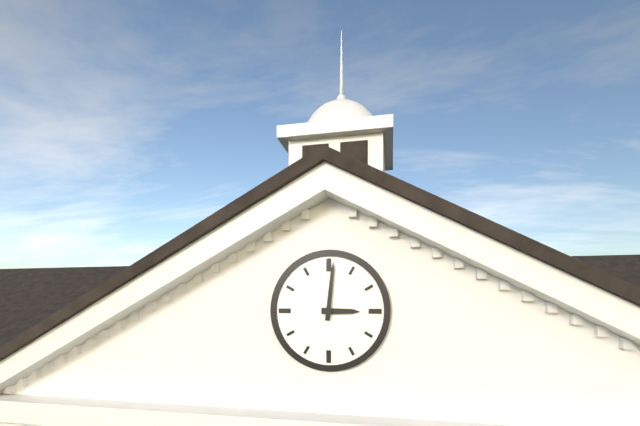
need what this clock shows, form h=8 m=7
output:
h=3 m=1
